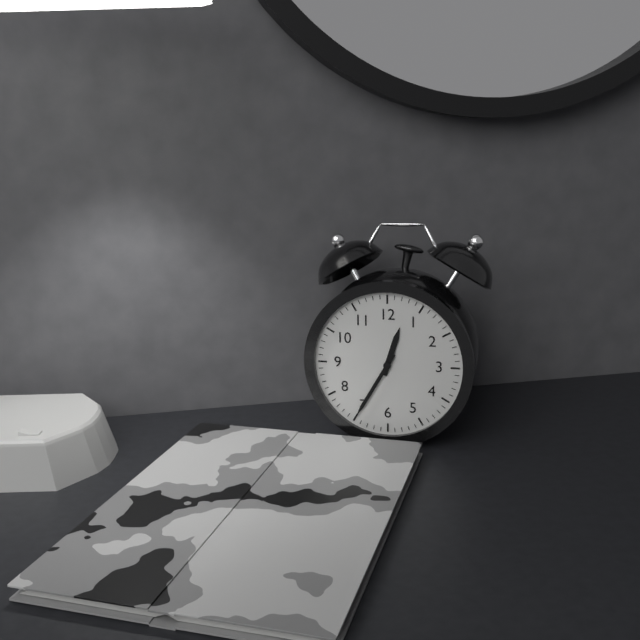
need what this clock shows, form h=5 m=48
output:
h=12 m=35
